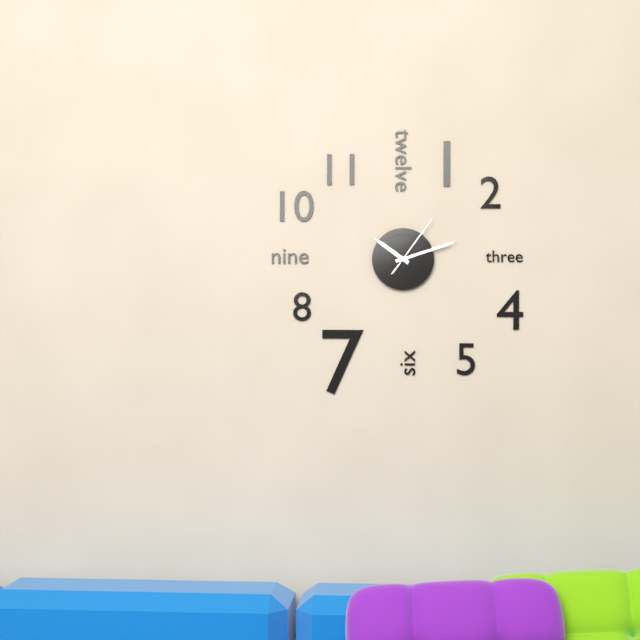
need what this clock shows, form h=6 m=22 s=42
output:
h=10 m=12 s=6
